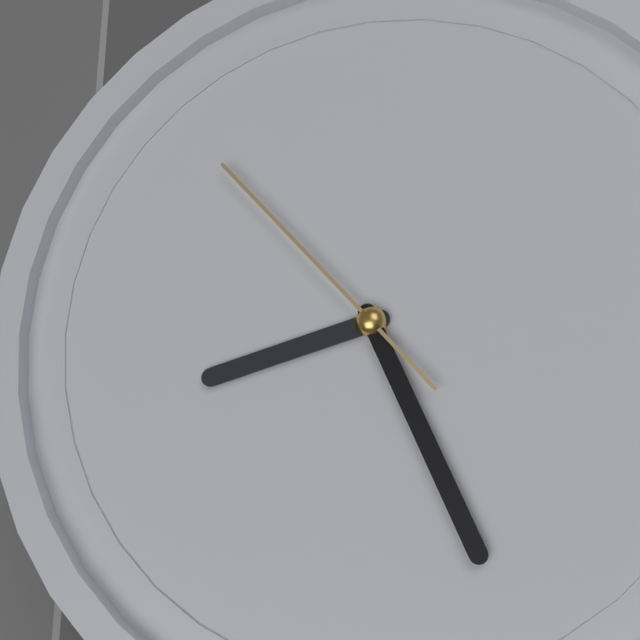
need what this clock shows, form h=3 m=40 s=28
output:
h=8 m=26 s=53
